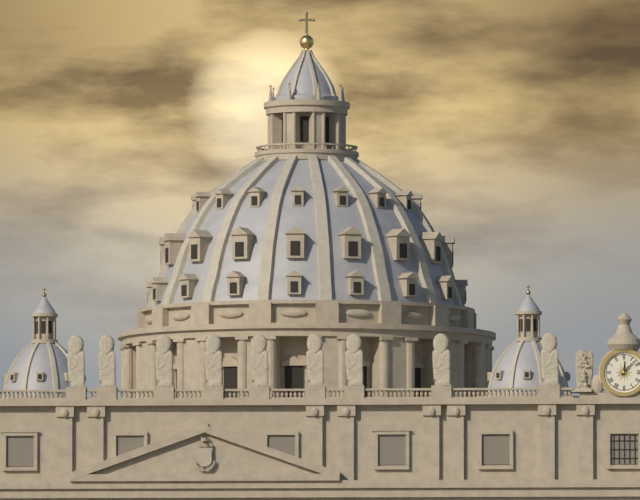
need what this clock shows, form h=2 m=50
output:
h=12 m=7
